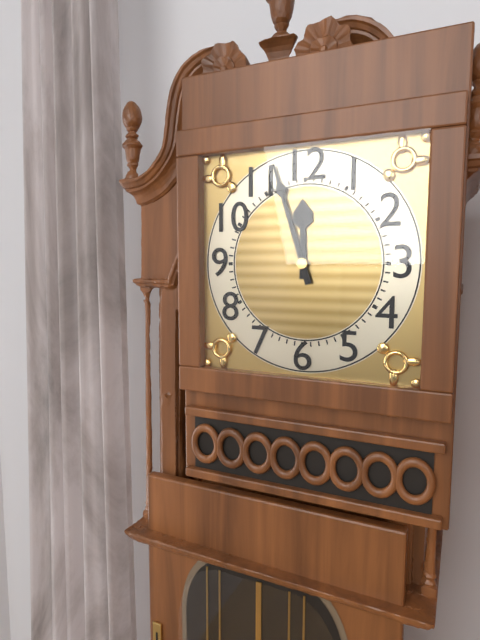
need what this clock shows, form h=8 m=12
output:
h=11 m=57
